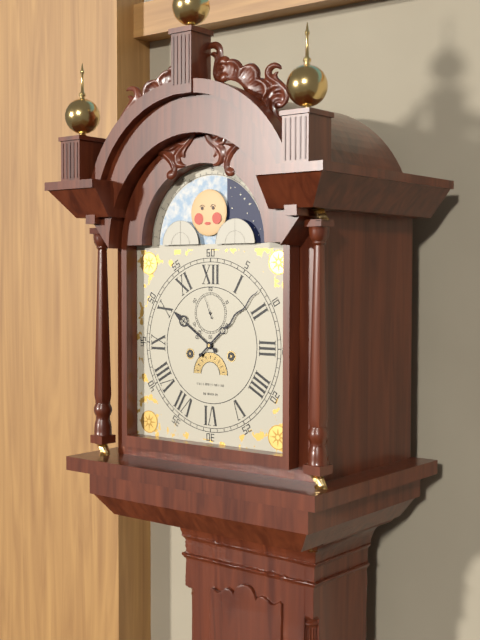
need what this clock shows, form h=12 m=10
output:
h=10 m=8
